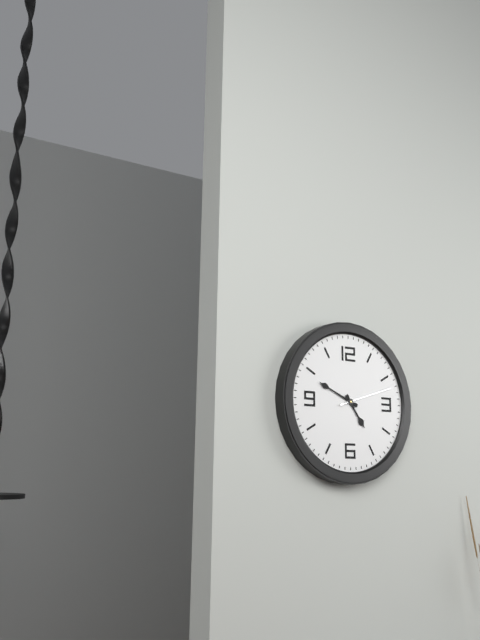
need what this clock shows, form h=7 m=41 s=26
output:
h=4 m=49 s=12
